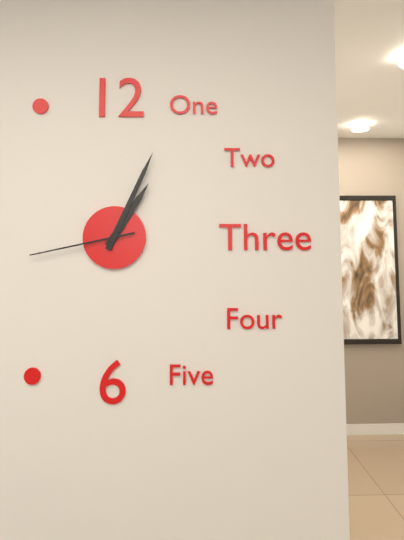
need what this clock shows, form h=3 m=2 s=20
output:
h=1 m=4 s=43
